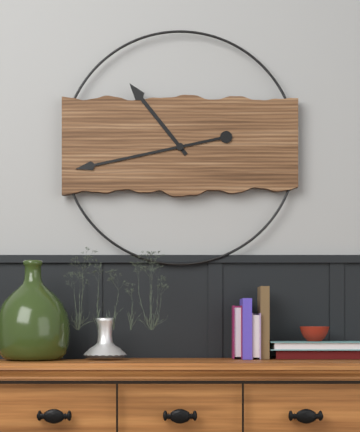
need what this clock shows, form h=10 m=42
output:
h=10 m=43
